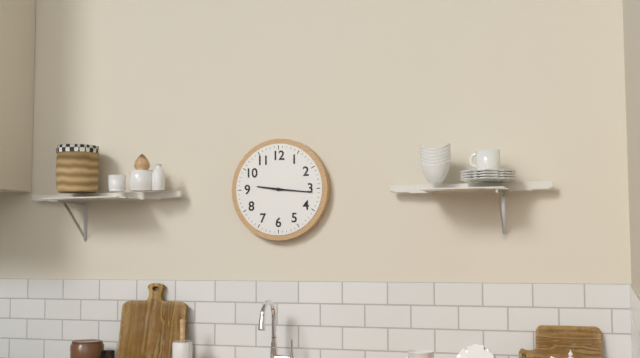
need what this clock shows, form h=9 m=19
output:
h=9 m=16
